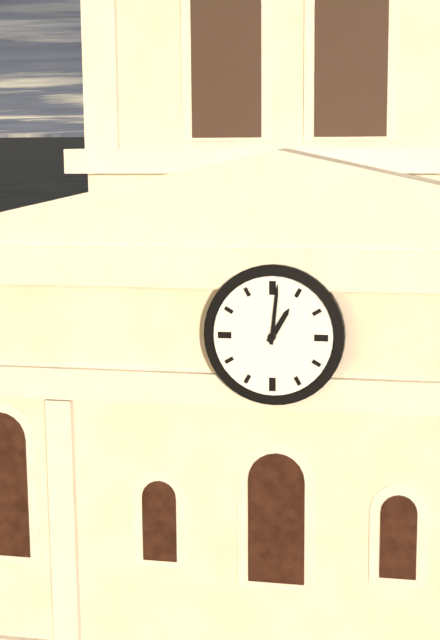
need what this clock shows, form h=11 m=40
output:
h=1 m=1
